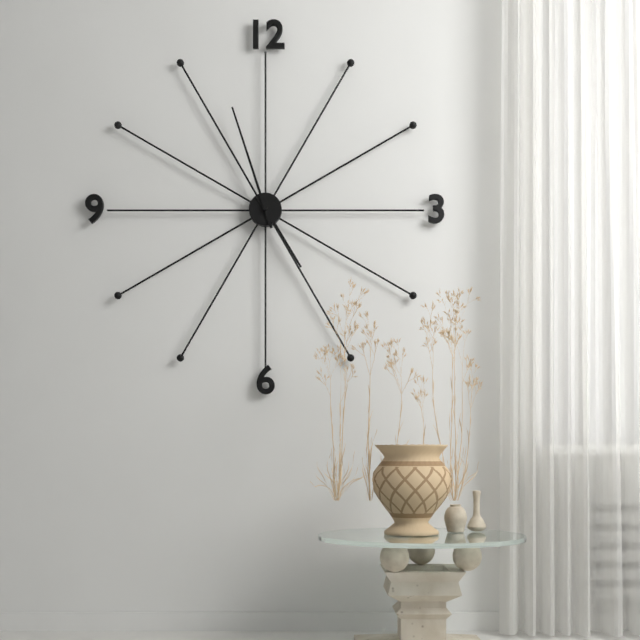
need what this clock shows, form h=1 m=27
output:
h=4 m=57
